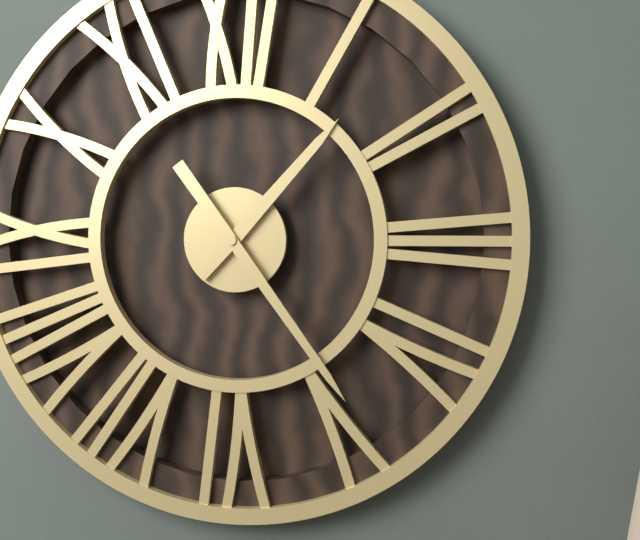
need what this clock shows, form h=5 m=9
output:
h=1 m=24
